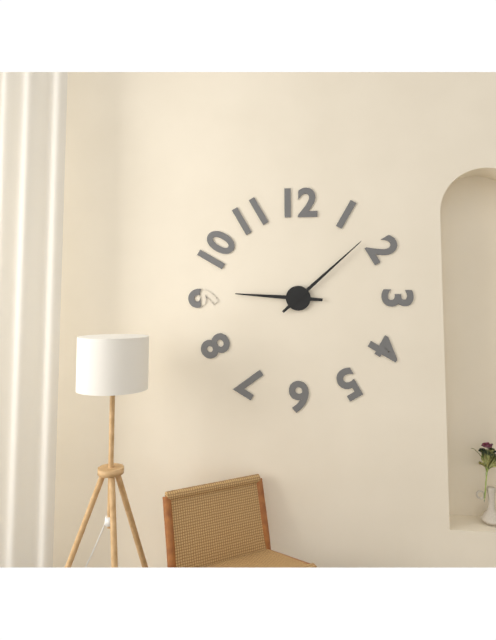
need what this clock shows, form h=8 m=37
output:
h=9 m=8
